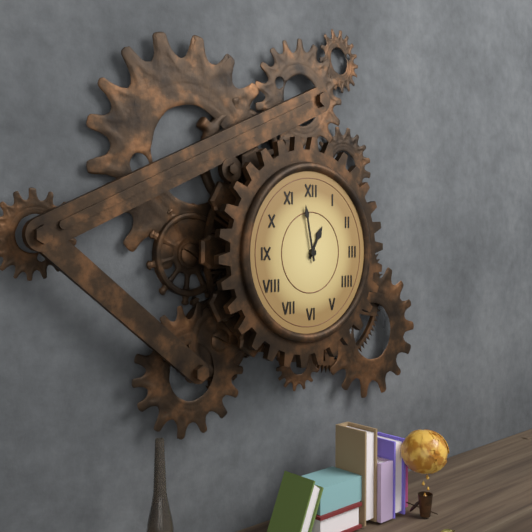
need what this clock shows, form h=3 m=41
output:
h=12 m=58
